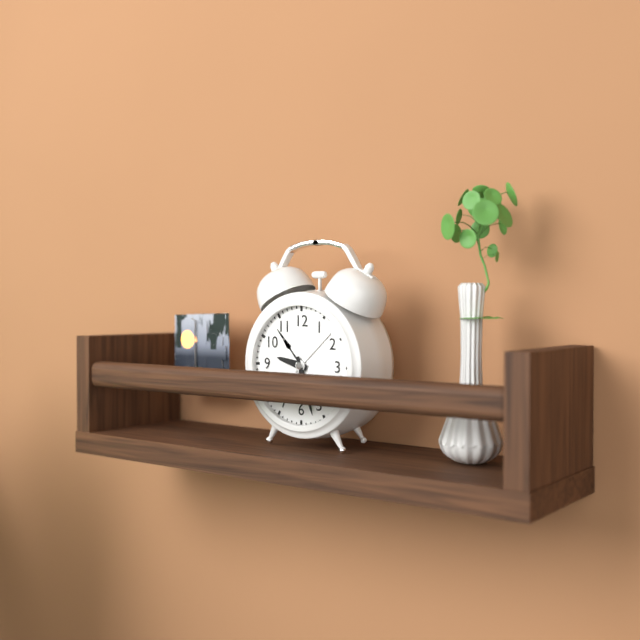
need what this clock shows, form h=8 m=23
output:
h=9 m=27
